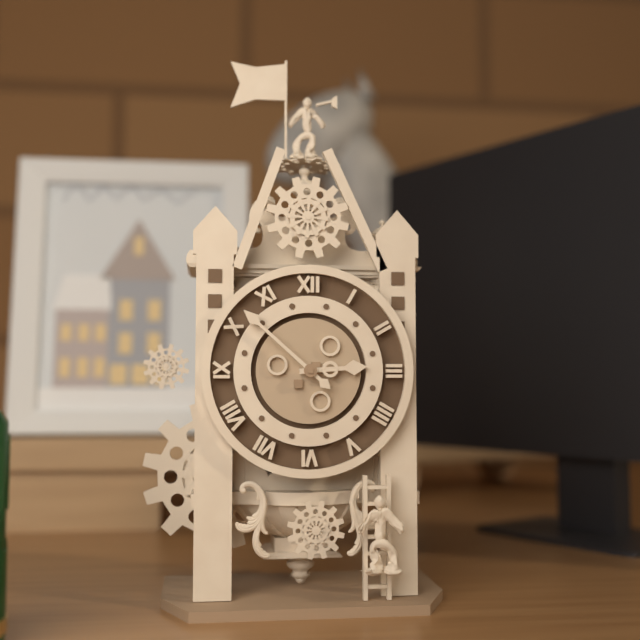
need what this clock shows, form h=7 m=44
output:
h=2 m=52
